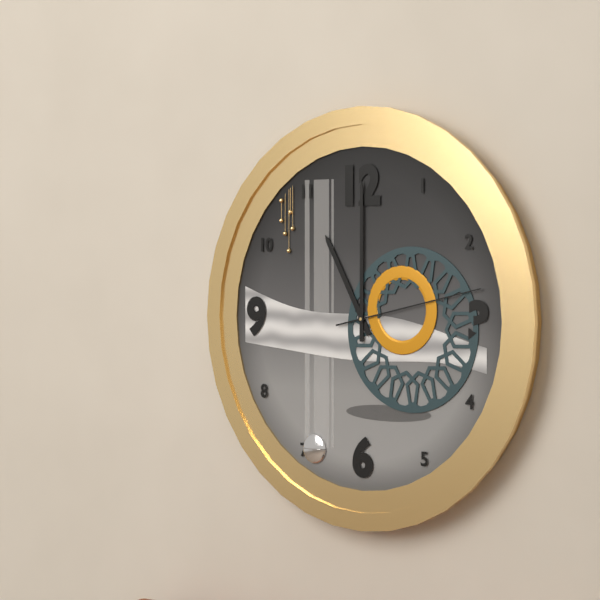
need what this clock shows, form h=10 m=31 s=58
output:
h=11 m=0 s=13
